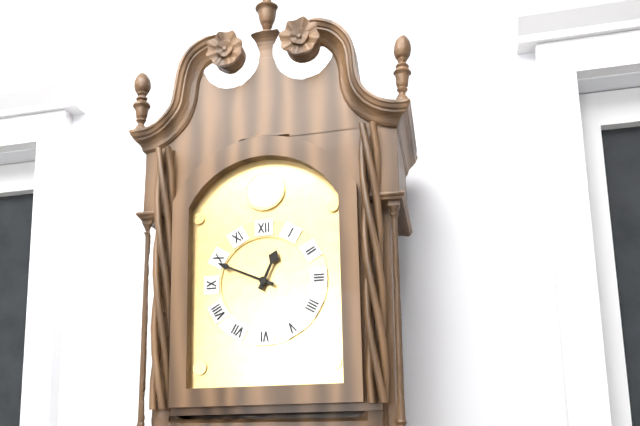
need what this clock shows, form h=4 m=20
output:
h=12 m=49
